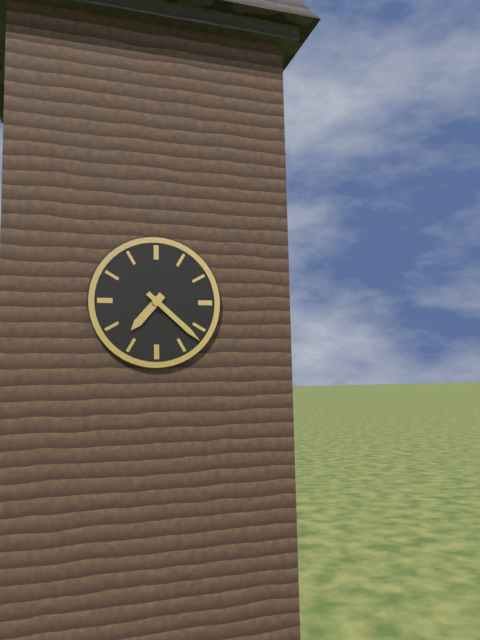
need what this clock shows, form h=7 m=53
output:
h=7 m=22
